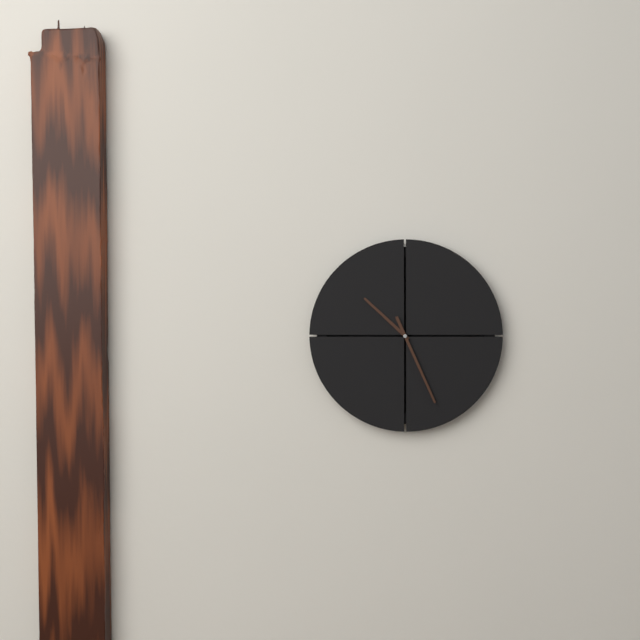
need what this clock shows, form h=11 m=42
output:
h=10 m=26
